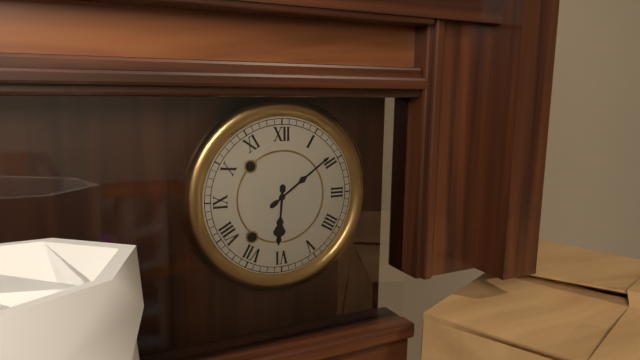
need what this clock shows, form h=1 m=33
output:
h=6 m=9
